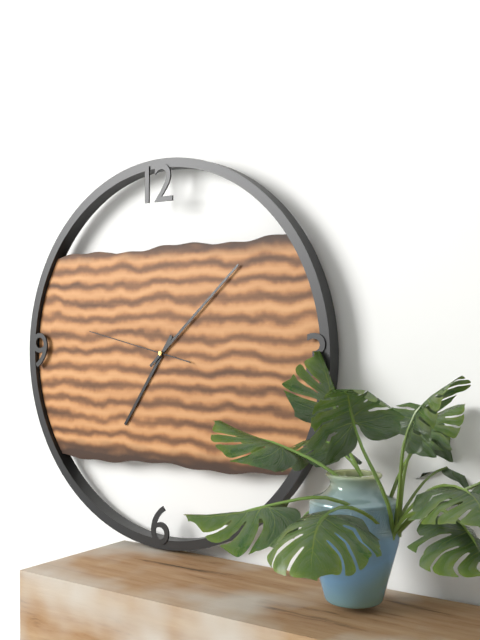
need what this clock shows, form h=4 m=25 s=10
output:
h=7 m=8 s=47
